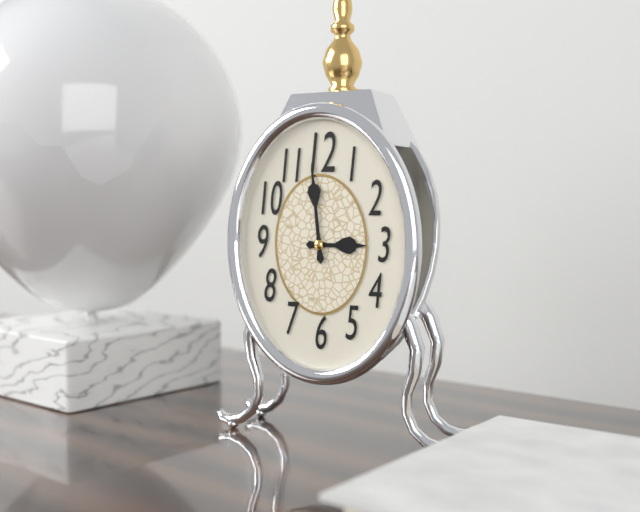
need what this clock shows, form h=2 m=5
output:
h=2 m=59
